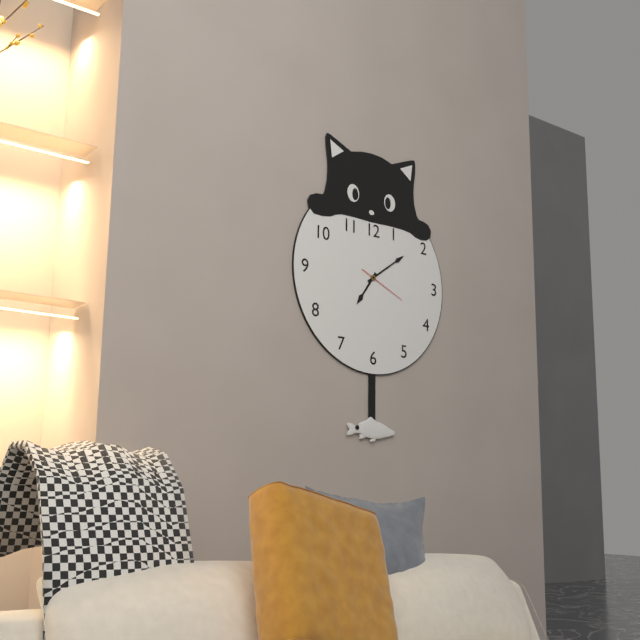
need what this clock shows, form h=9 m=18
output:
h=7 m=9
